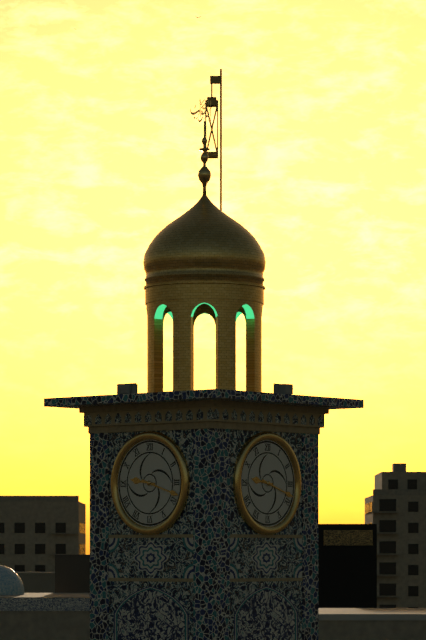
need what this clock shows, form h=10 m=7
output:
h=9 m=18
